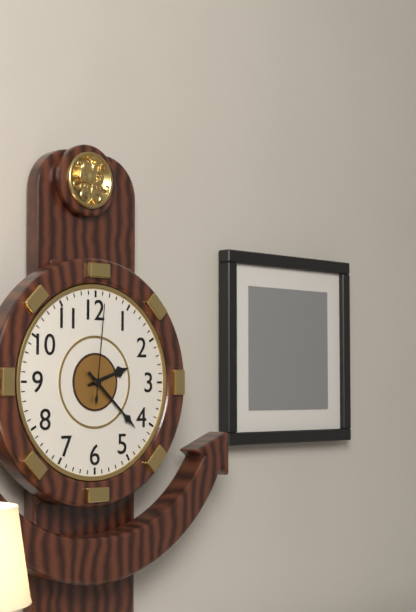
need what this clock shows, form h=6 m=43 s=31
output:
h=2 m=22 s=1
